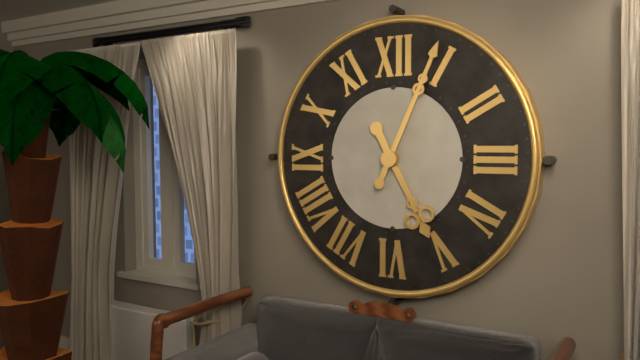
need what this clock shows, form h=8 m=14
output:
h=5 m=4
